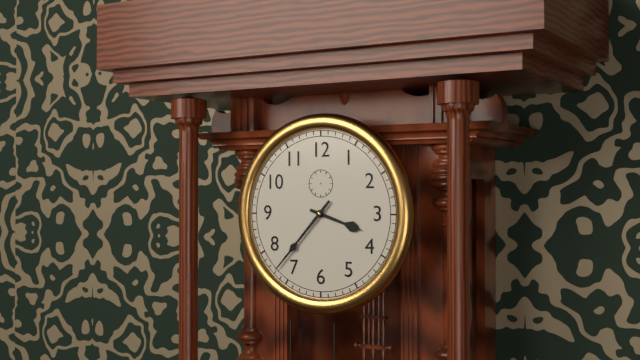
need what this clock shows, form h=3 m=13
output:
h=3 m=37
